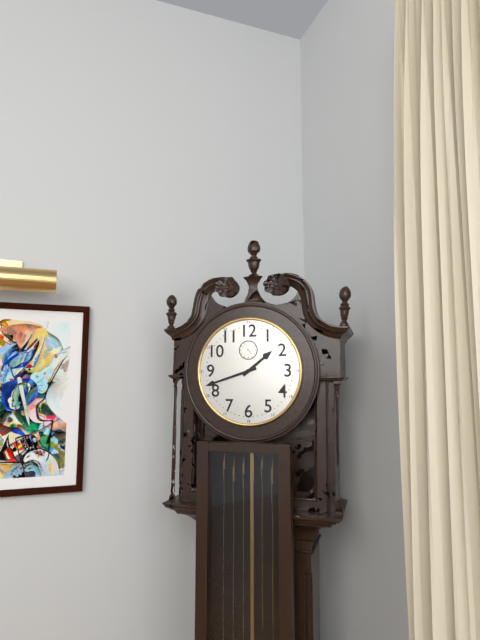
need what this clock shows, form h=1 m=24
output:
h=1 m=42
